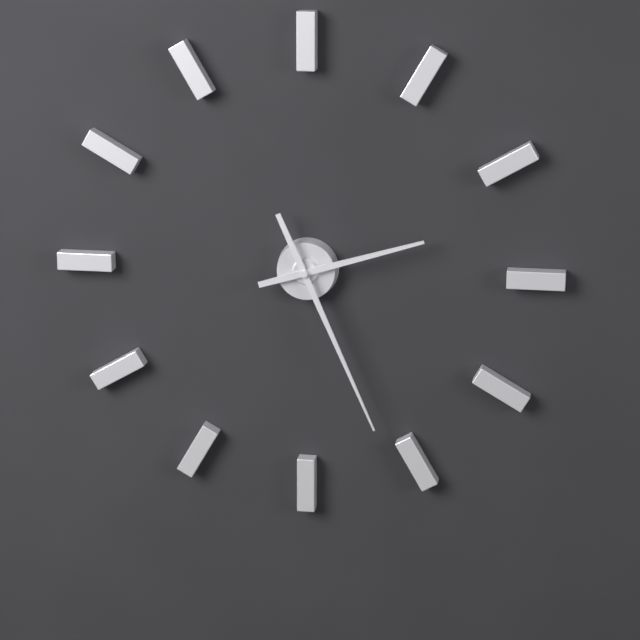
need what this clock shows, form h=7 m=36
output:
h=2 m=26
